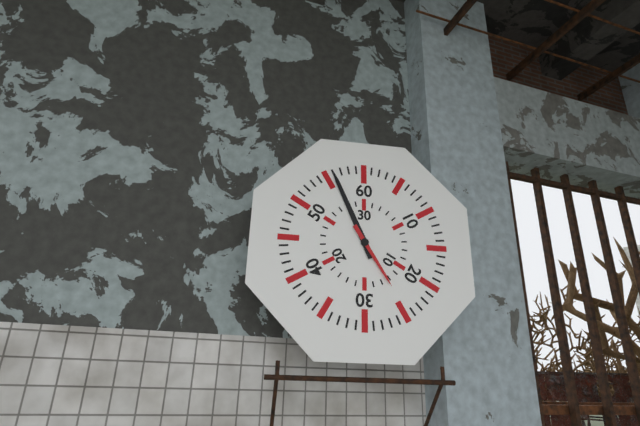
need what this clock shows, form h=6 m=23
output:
h=4 m=56
